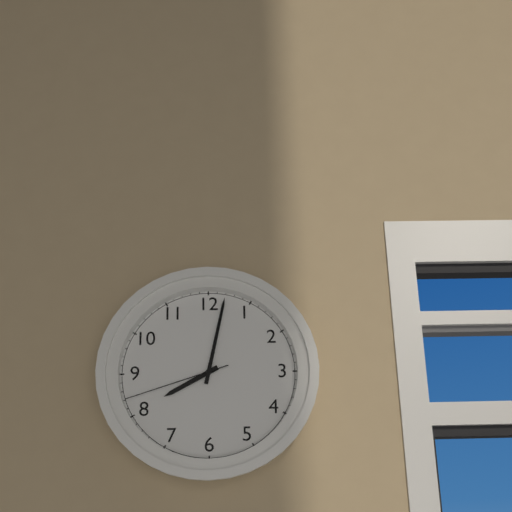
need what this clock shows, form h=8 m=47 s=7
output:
h=8 m=2 s=42
